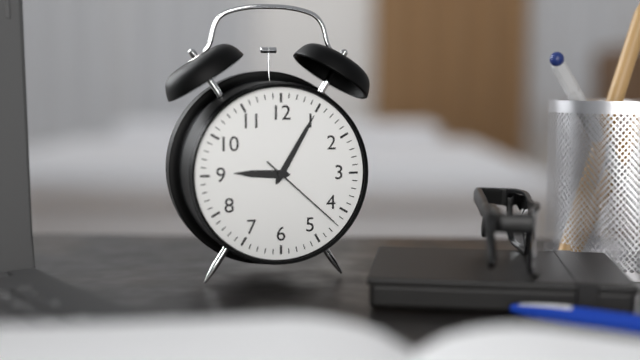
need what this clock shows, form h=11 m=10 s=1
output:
h=9 m=5 s=22
